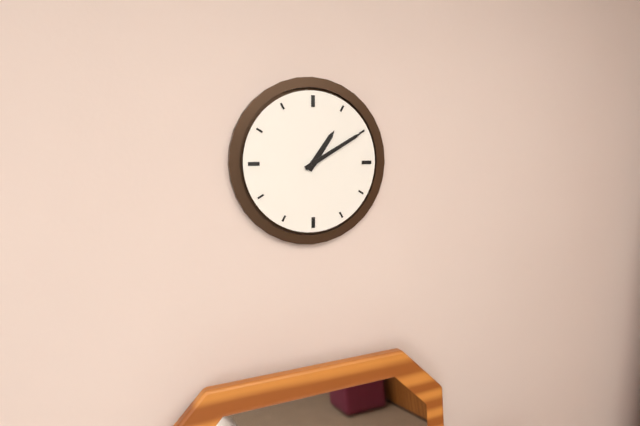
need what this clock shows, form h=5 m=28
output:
h=1 m=10
